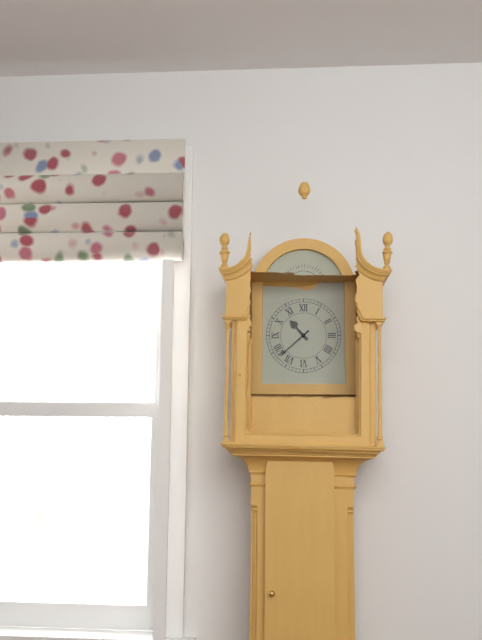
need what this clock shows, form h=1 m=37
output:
h=10 m=38
